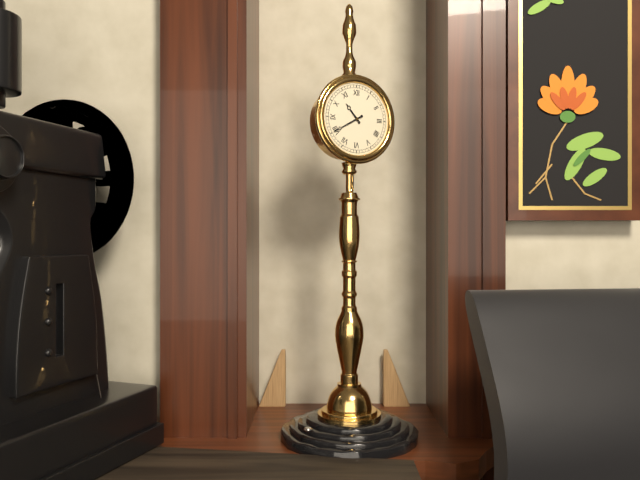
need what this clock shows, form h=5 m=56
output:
h=10 m=40
